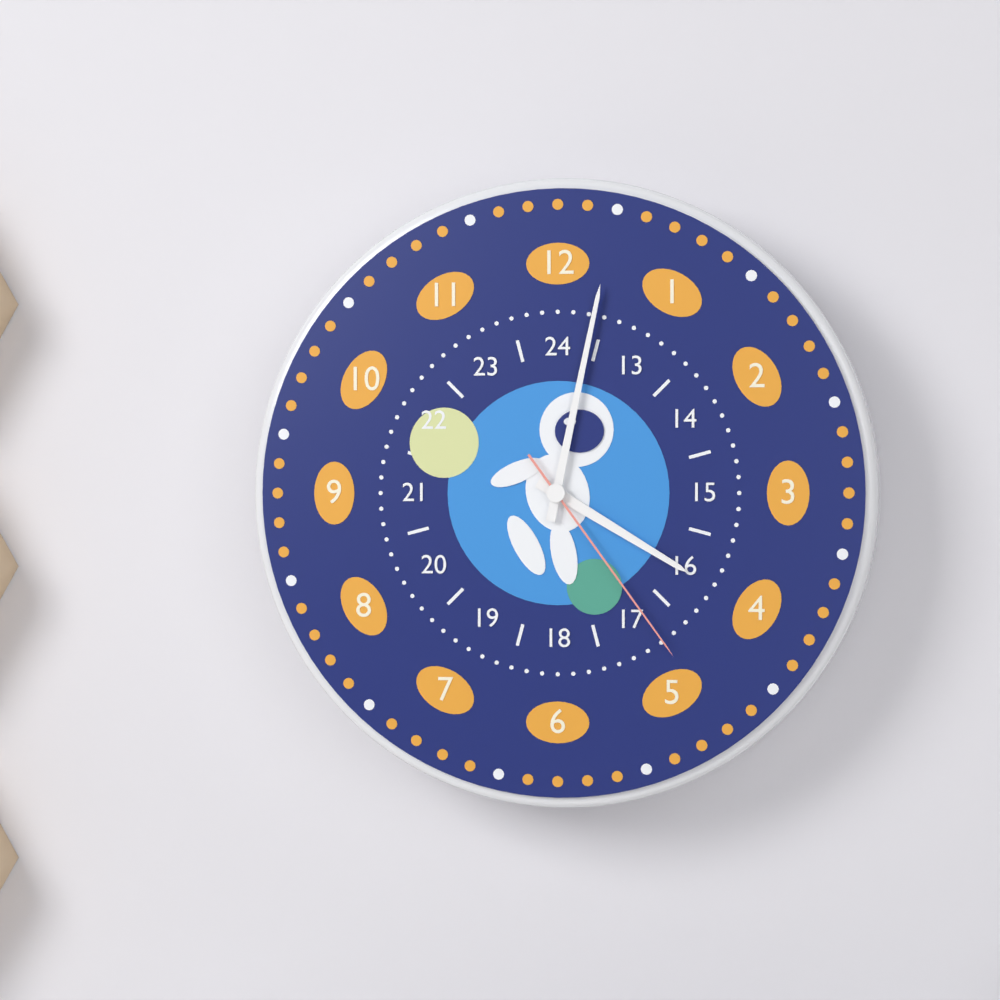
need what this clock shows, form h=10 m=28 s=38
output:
h=4 m=2 s=24
